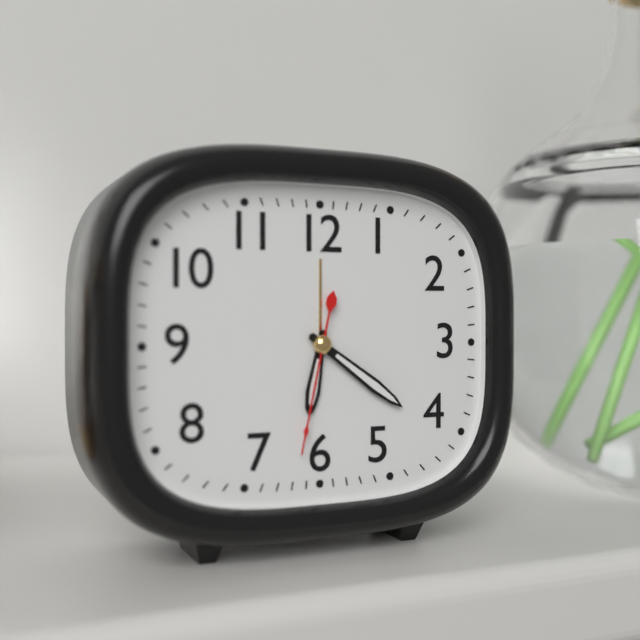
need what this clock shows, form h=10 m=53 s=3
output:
h=6 m=21 s=32
